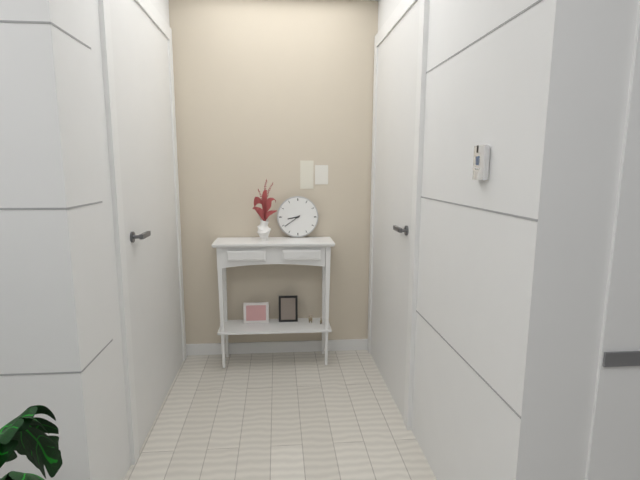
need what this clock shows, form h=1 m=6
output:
h=8 m=39
